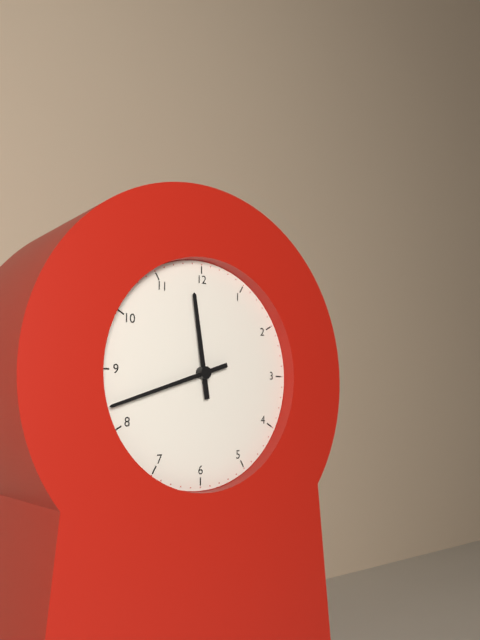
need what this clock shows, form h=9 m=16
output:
h=11 m=42
